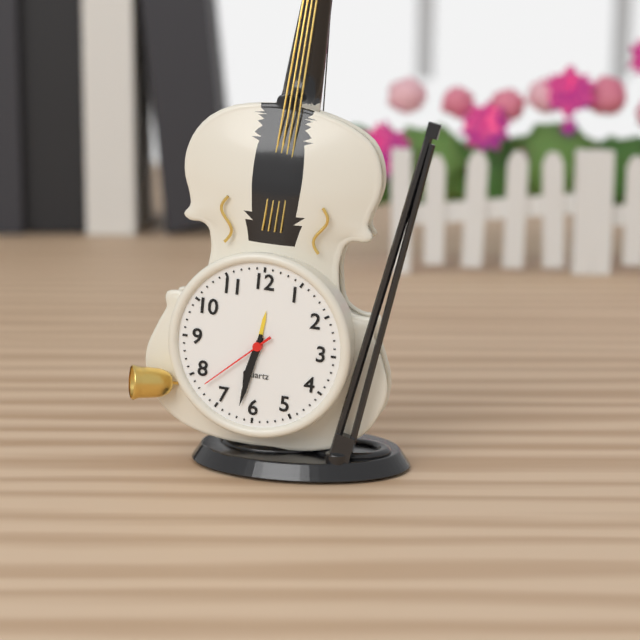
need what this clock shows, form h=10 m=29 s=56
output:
h=6 m=32 s=38
